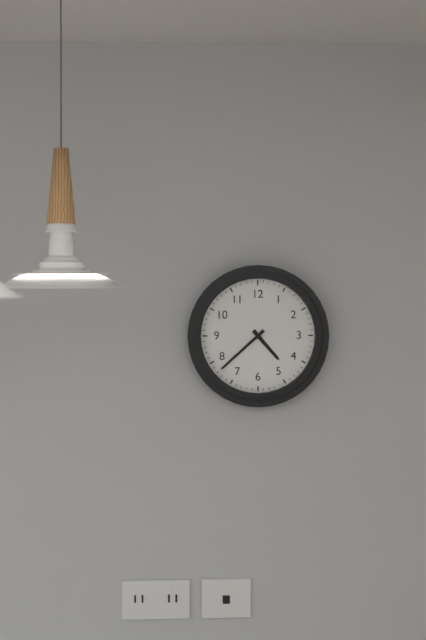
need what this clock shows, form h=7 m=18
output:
h=4 m=38
